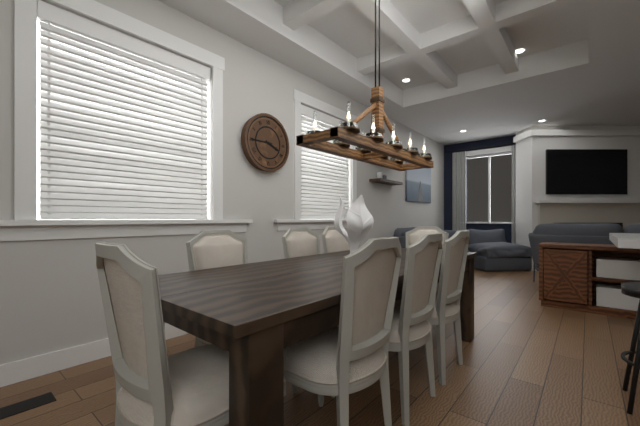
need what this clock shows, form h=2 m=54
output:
h=3 m=45
